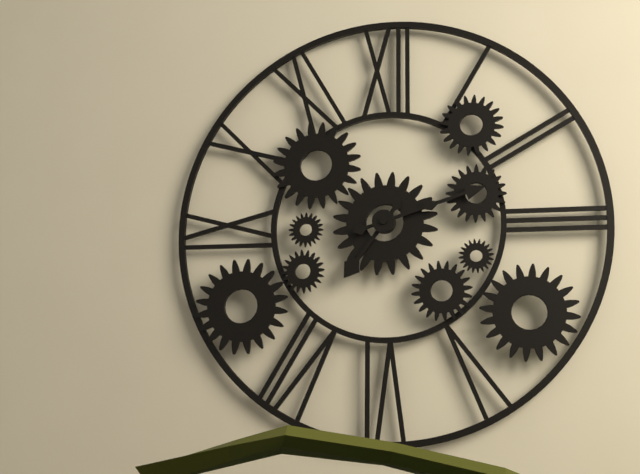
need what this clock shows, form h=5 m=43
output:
h=7 m=12
